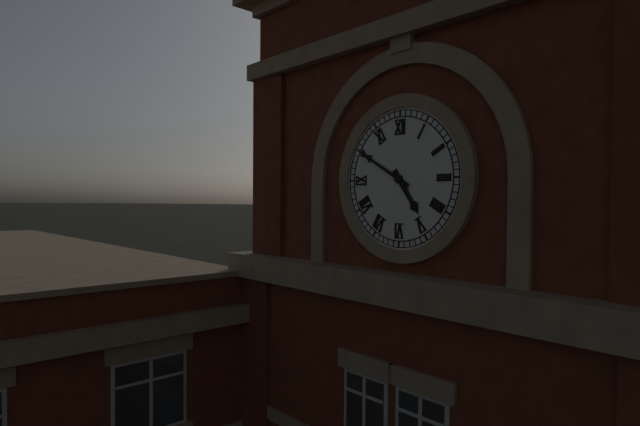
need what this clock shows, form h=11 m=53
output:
h=4 m=50
